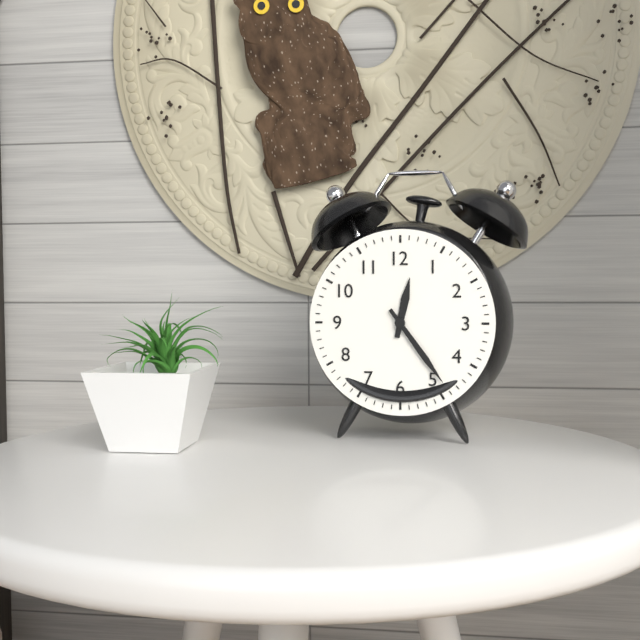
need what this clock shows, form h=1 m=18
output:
h=12 m=24
